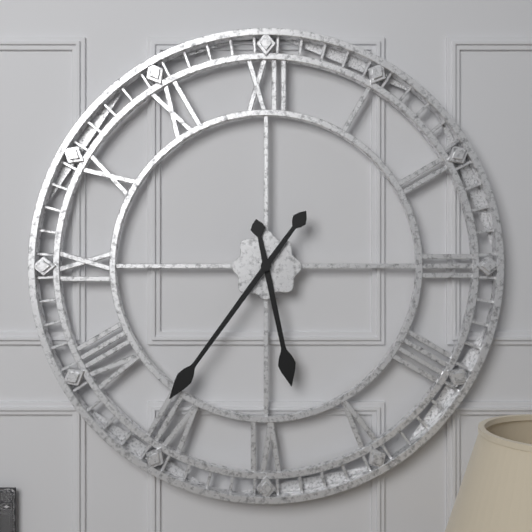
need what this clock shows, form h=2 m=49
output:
h=5 m=36
